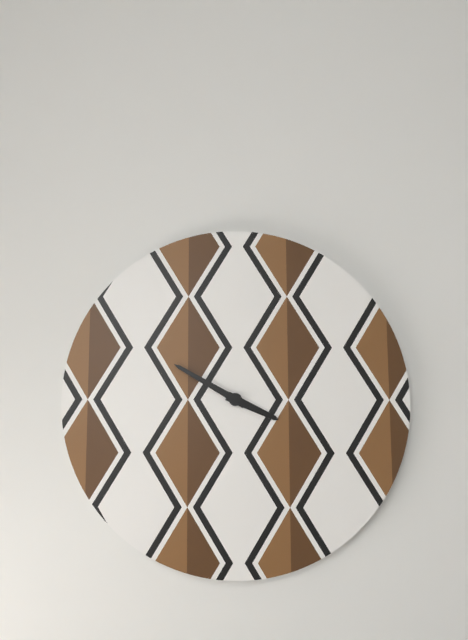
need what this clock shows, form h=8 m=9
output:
h=3 m=50
